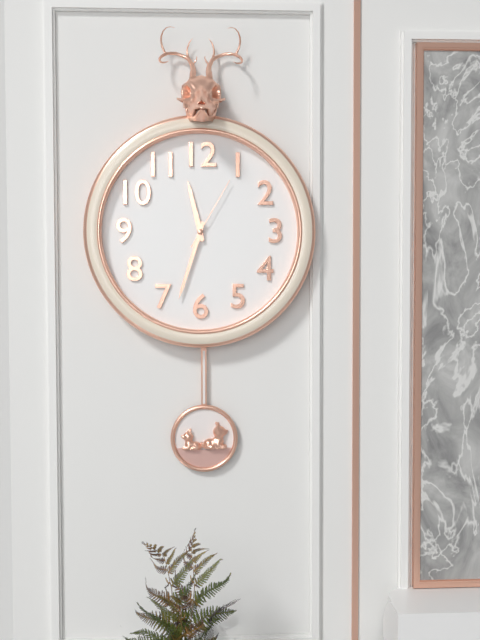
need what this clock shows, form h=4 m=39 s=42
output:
h=11 m=33 s=5
